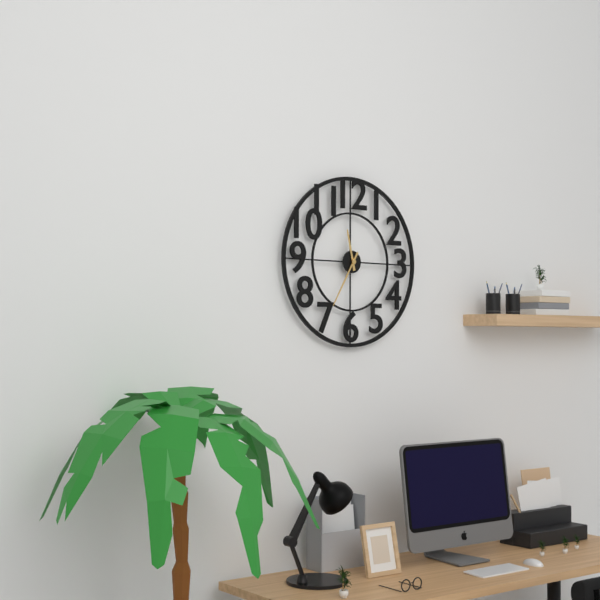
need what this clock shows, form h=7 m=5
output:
h=11 m=35
